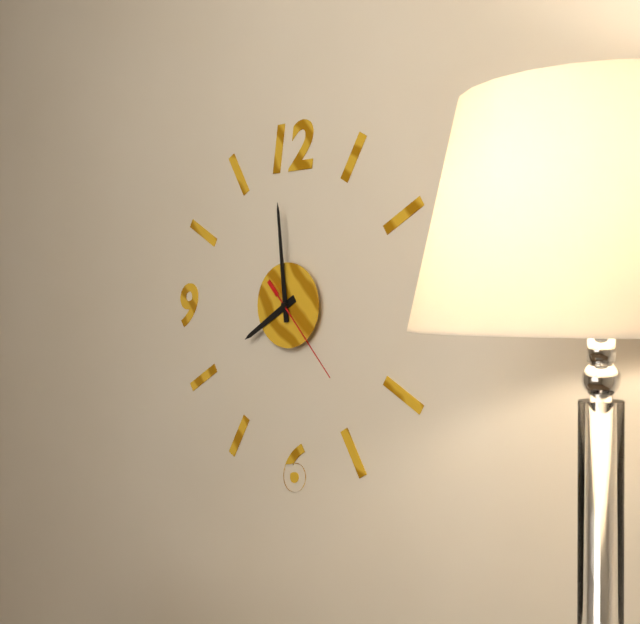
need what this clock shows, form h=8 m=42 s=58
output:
h=7 m=59 s=23
